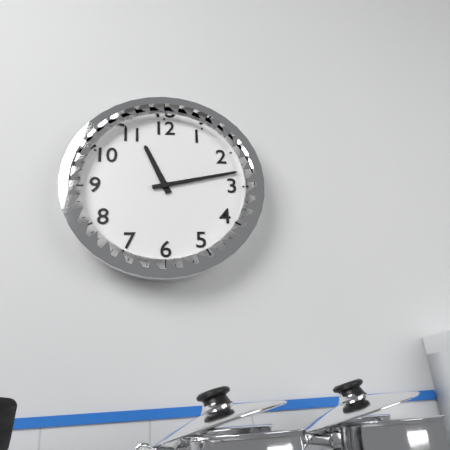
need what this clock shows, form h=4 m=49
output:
h=11 m=13
